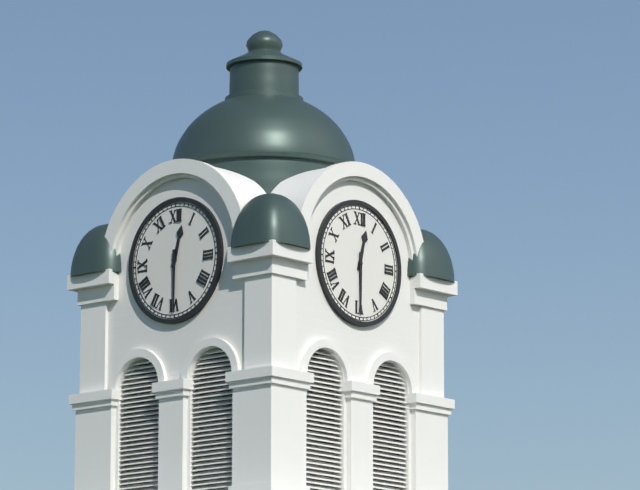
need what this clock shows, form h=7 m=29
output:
h=12 m=30
